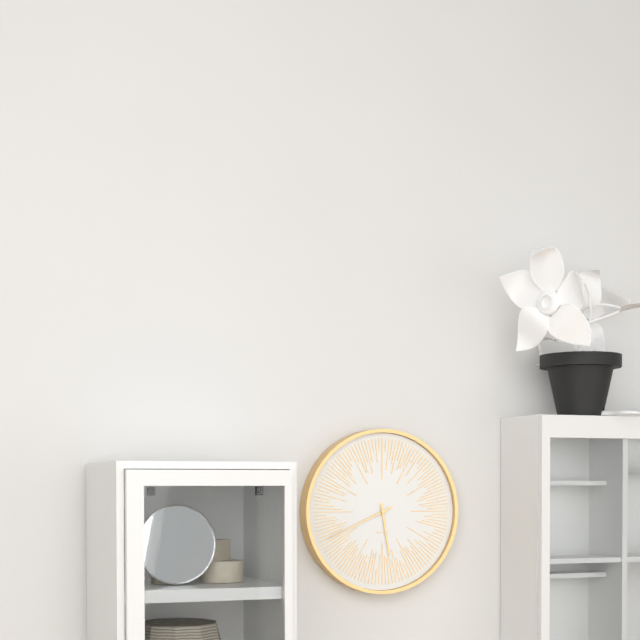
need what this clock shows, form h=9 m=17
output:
h=5 m=41
